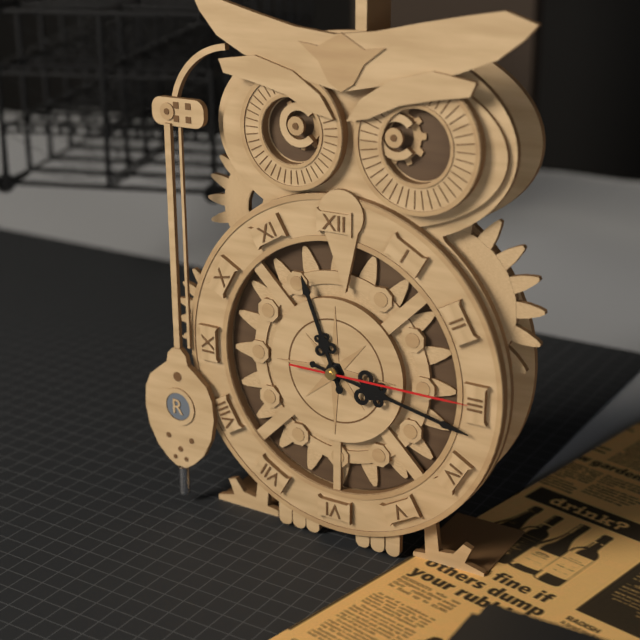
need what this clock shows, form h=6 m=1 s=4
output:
h=11 m=17 s=15
